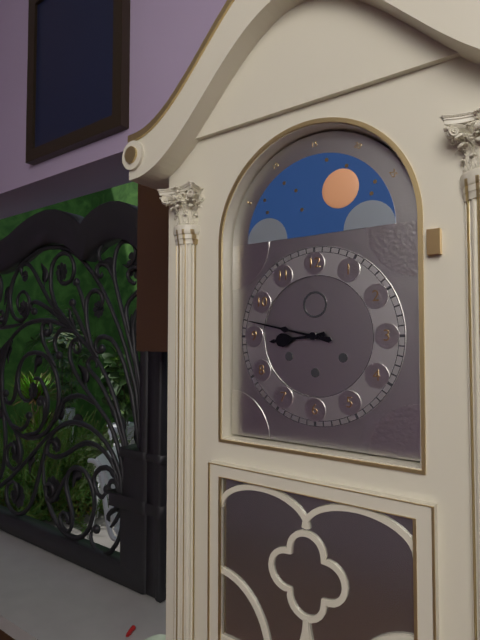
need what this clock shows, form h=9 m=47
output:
h=8 m=47
